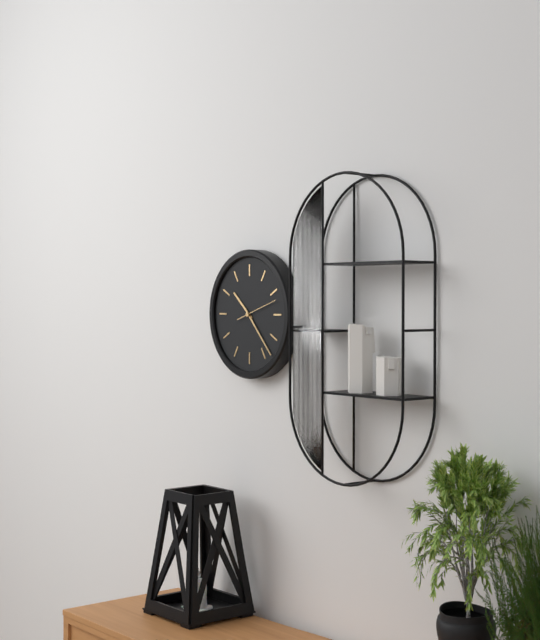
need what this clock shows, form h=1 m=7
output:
h=10 m=23
